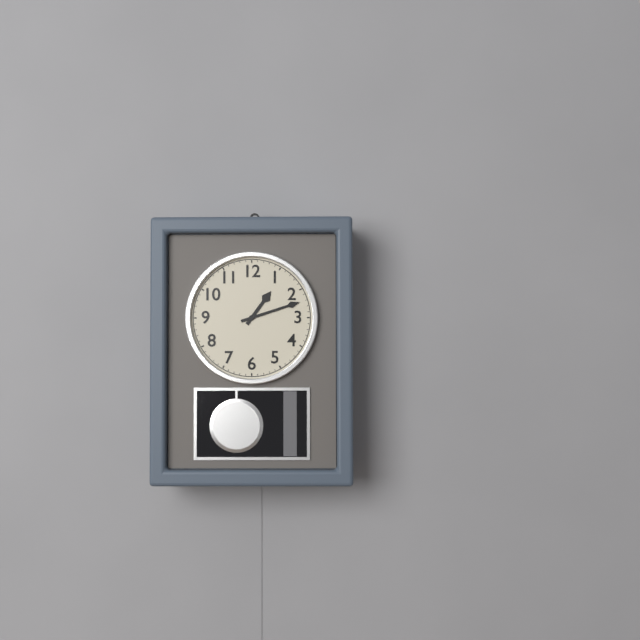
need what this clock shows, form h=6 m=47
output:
h=1 m=12
